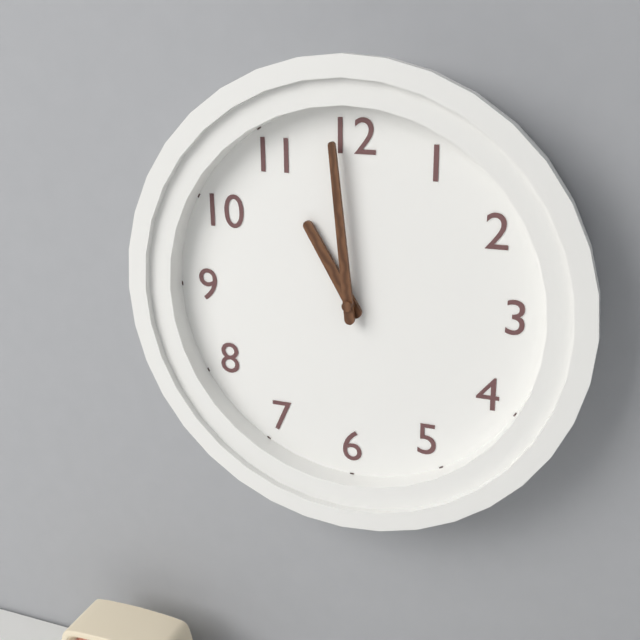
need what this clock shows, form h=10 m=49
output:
h=10 m=59
